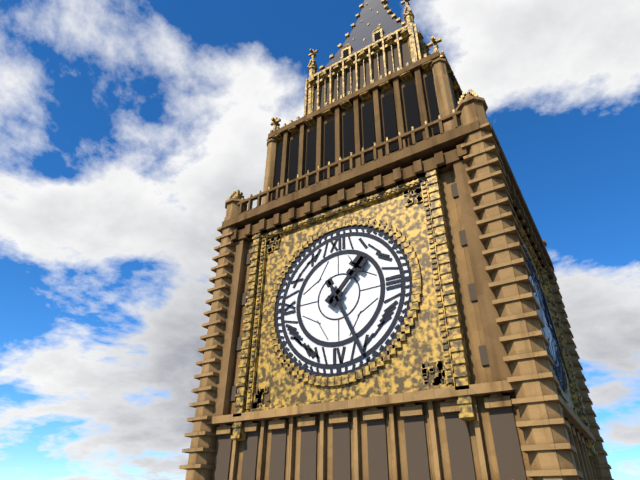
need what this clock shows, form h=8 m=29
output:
h=1 m=26
